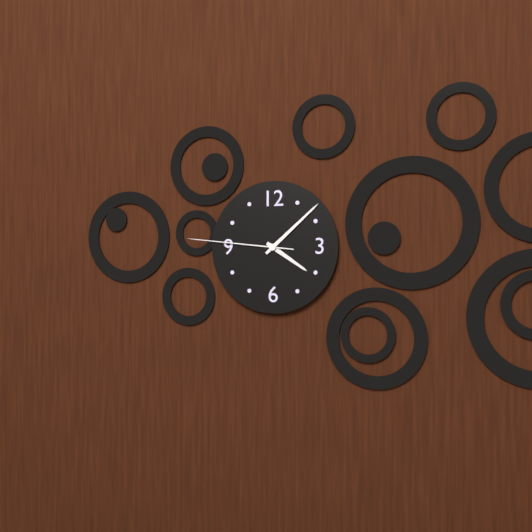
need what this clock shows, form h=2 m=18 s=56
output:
h=4 m=8 s=46
